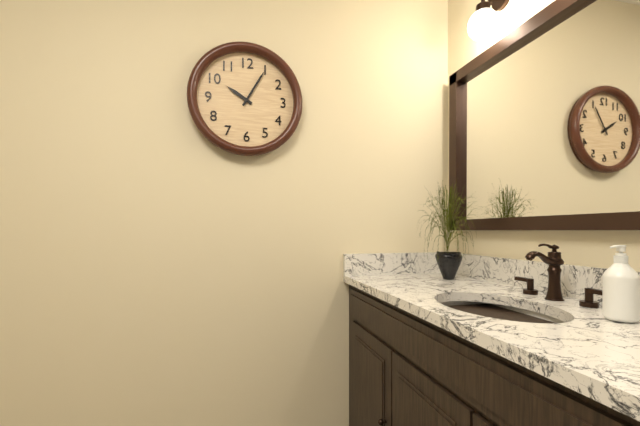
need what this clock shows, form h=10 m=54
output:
h=10 m=5
